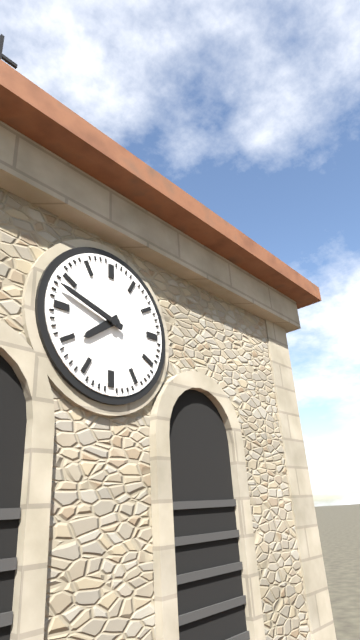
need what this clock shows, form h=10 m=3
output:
h=7 m=48
